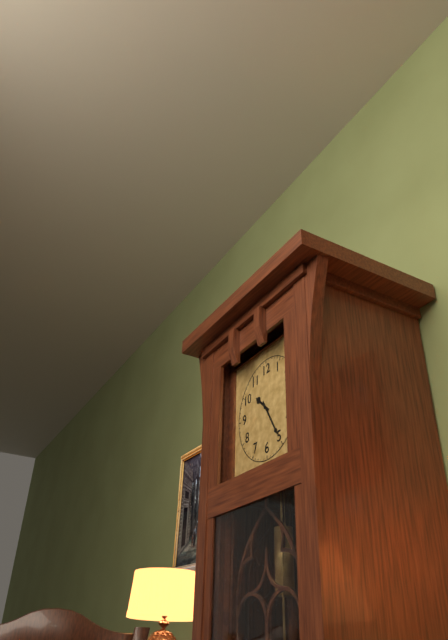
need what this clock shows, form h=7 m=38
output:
h=10 m=25
